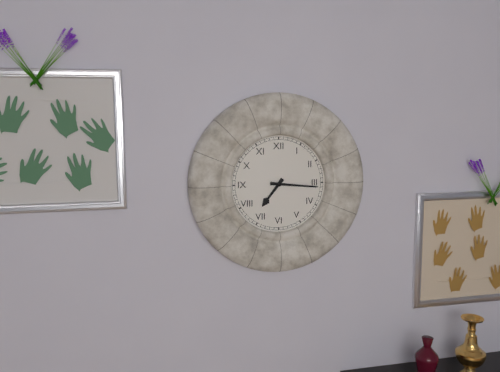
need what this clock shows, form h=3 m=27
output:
h=7 m=16
